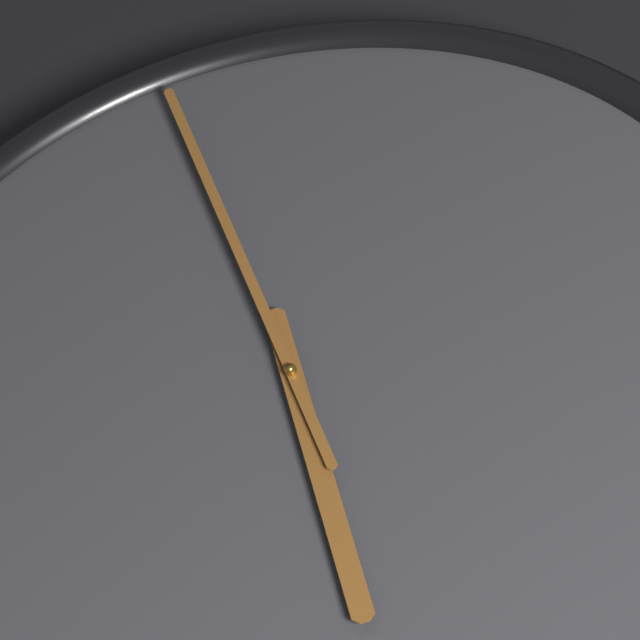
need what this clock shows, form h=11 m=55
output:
h=5 m=59
